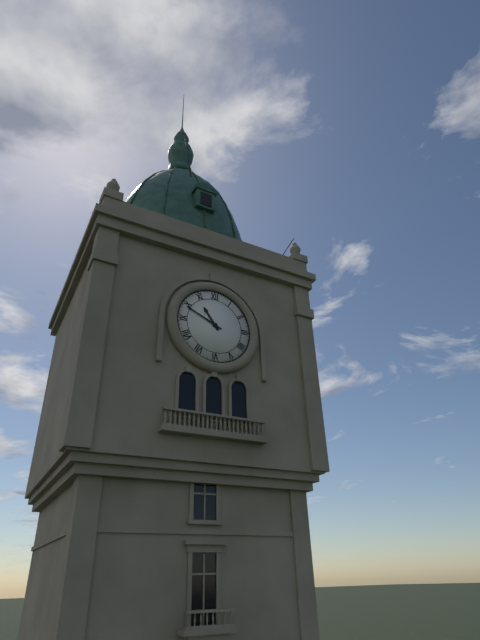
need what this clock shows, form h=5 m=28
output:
h=10 m=49
